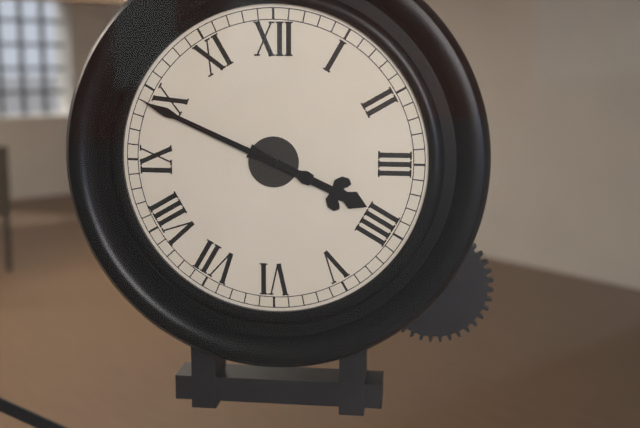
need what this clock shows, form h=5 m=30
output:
h=3 m=49
